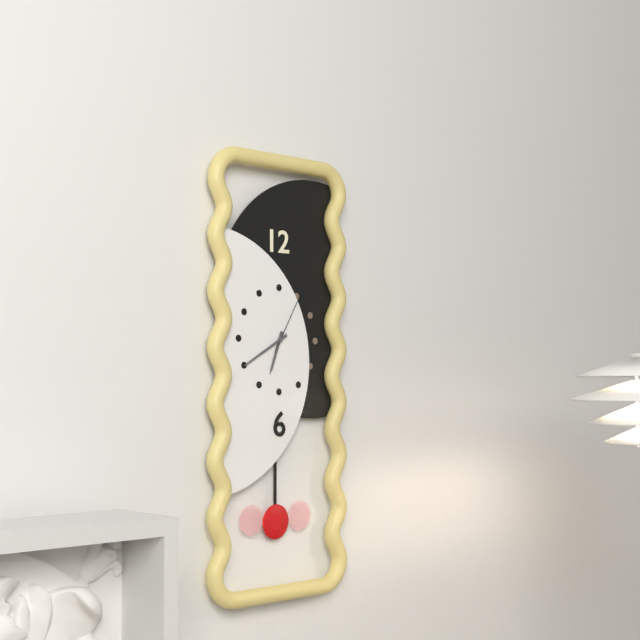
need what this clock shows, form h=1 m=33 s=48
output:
h=6 m=40 s=5
